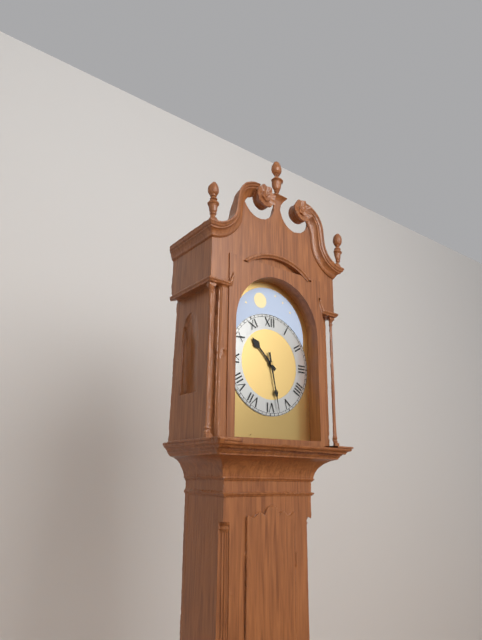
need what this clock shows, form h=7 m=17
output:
h=10 m=28
